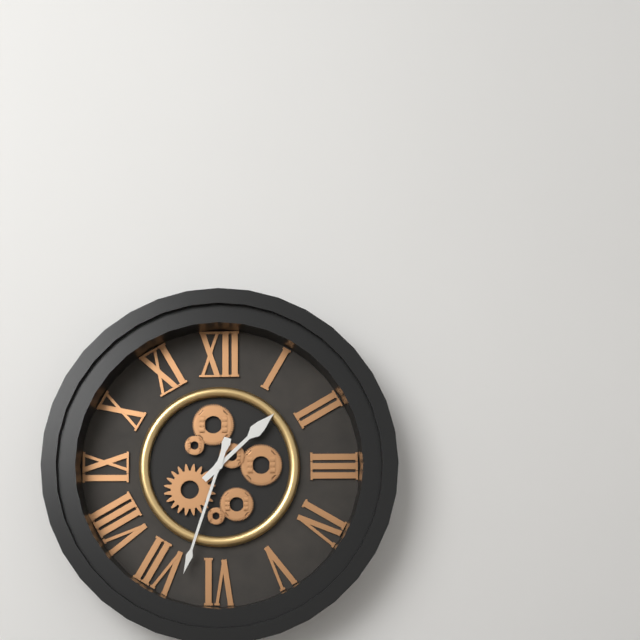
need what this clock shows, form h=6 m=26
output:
h=1 m=33
